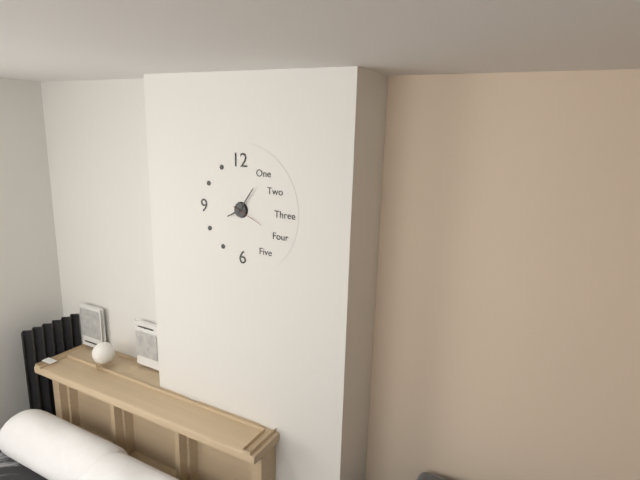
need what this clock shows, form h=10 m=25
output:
h=8 m=6
